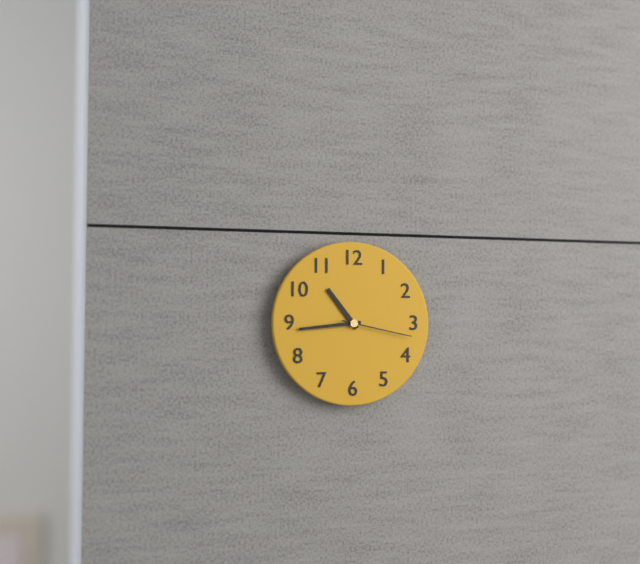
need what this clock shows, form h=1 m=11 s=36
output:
h=10 m=44 s=17
